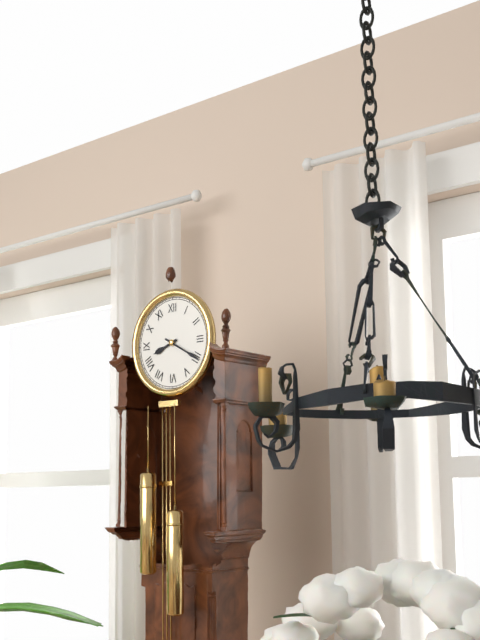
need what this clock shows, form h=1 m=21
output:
h=8 m=20
